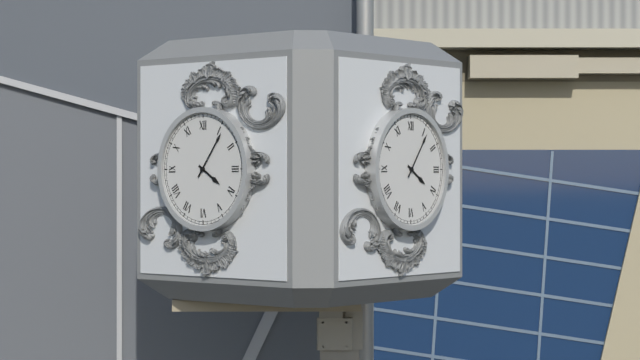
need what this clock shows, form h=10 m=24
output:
h=4 m=6
